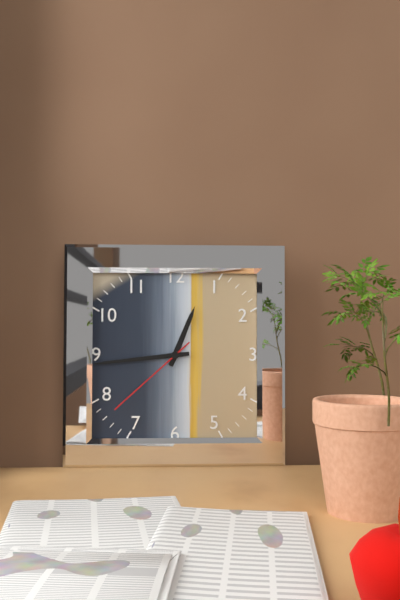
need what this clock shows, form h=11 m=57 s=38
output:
h=12 m=44 s=38
